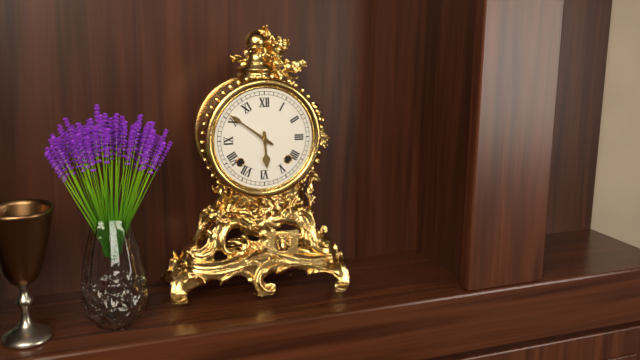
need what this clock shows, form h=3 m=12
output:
h=5 m=51
